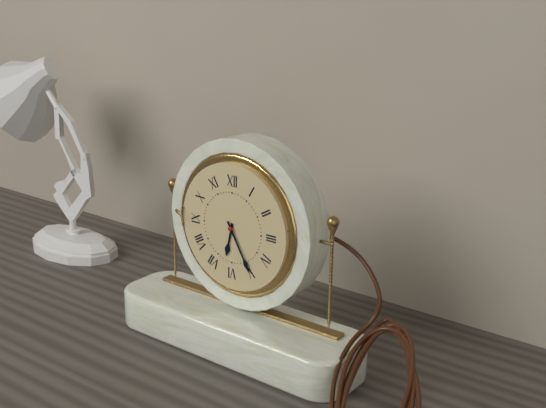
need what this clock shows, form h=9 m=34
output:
h=6 m=25
